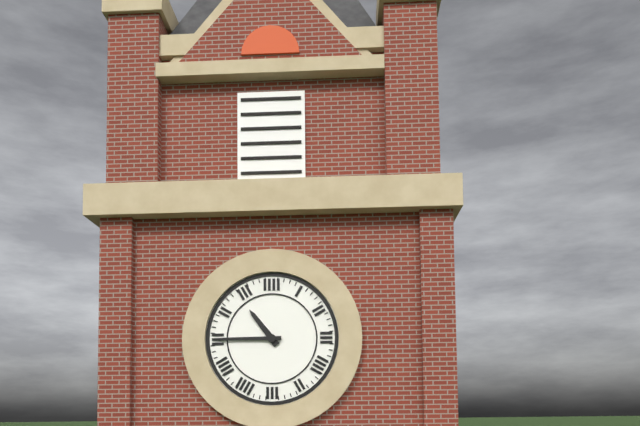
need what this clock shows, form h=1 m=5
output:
h=10 m=45
